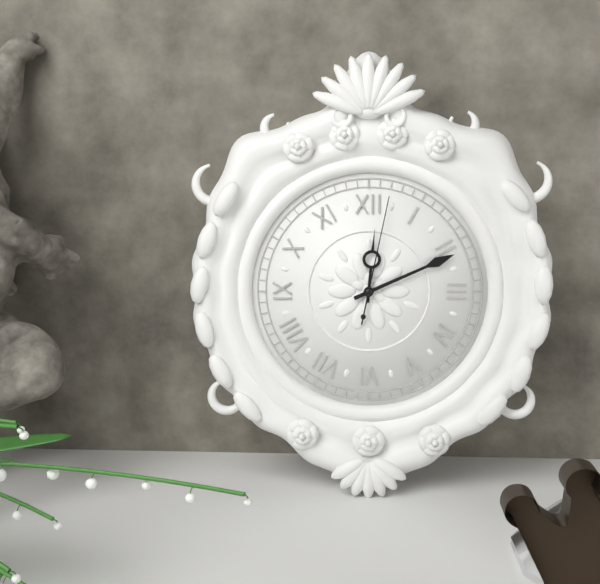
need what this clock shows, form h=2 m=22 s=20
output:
h=12 m=11 s=2
